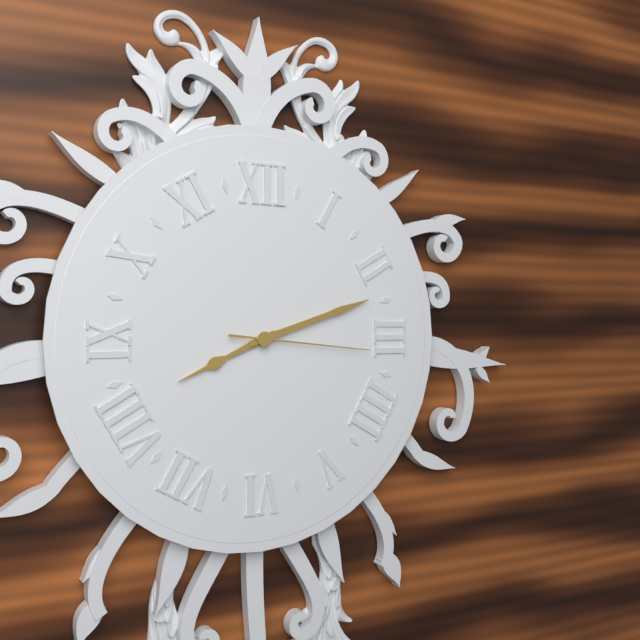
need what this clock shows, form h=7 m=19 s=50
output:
h=8 m=12 s=16
